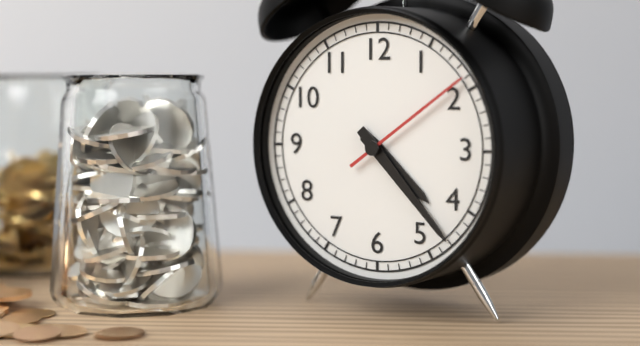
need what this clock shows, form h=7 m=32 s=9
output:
h=4 m=23 s=9
